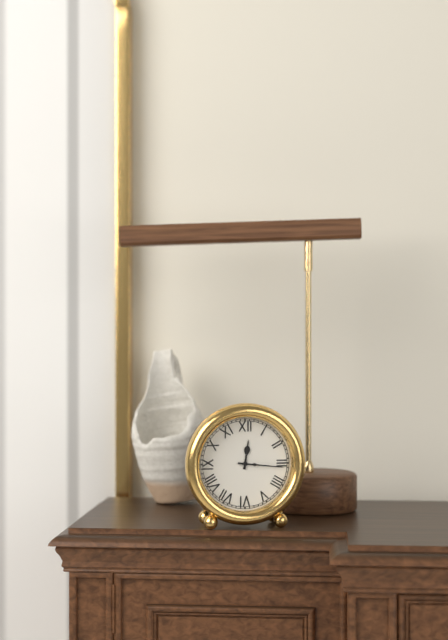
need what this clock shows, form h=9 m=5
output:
h=12 m=16
